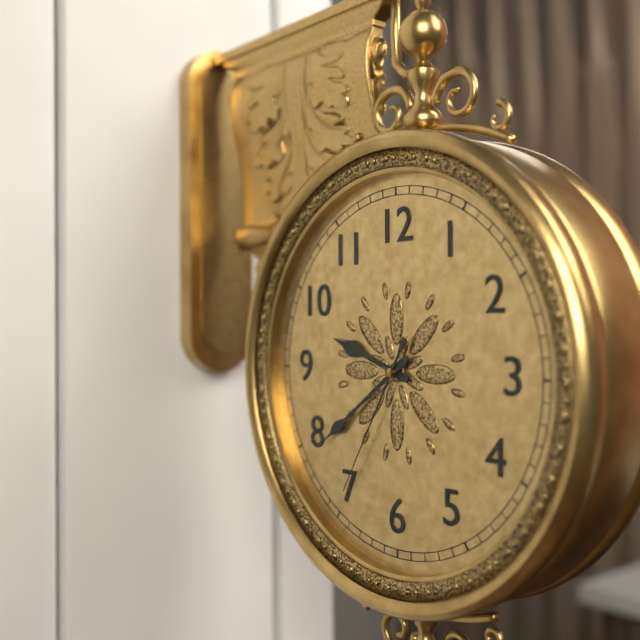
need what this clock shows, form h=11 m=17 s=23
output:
h=9 m=39 s=35
